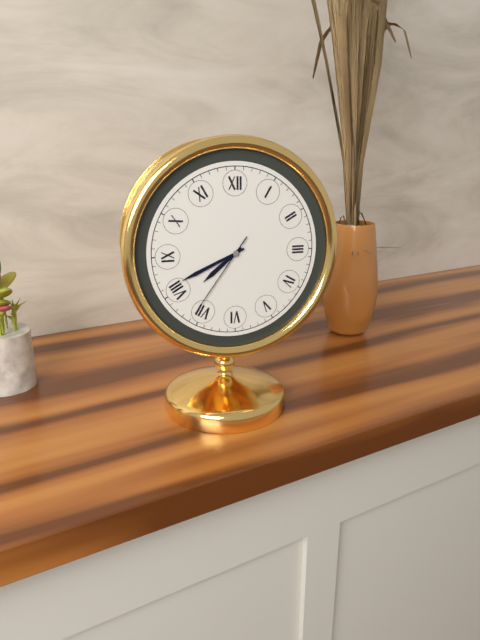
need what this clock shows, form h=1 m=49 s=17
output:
h=7 m=41 s=36
